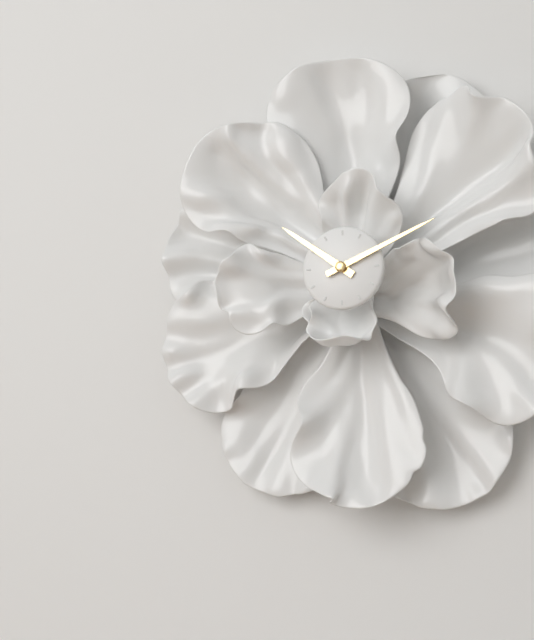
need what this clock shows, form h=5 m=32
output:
h=10 m=11
